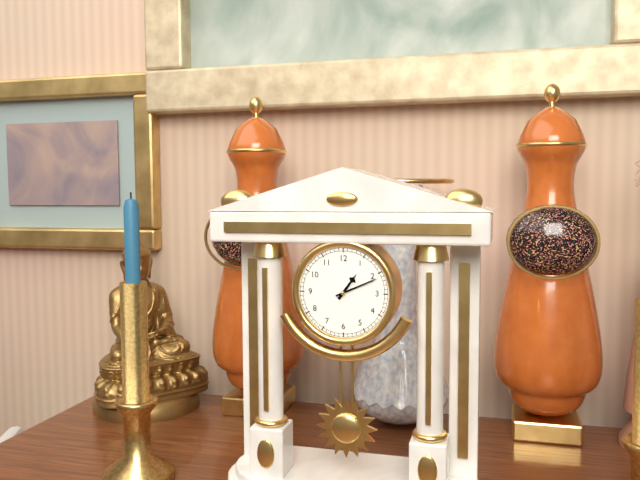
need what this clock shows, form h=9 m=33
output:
h=1 m=11
